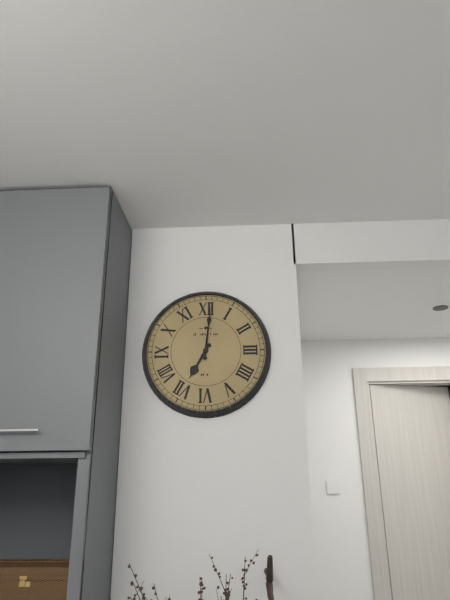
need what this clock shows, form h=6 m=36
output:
h=7 m=1
